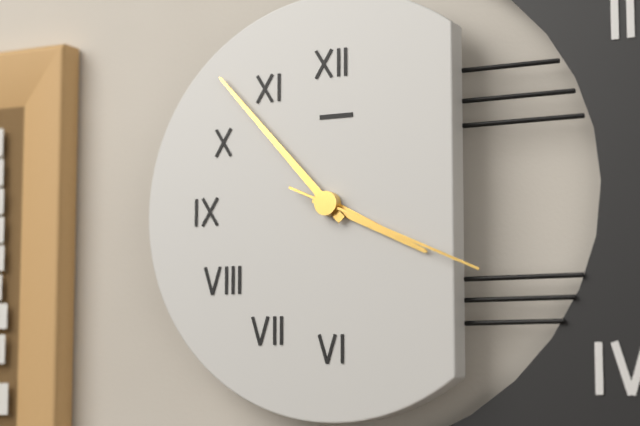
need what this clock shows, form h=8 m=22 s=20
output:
h=3 m=53 s=19
